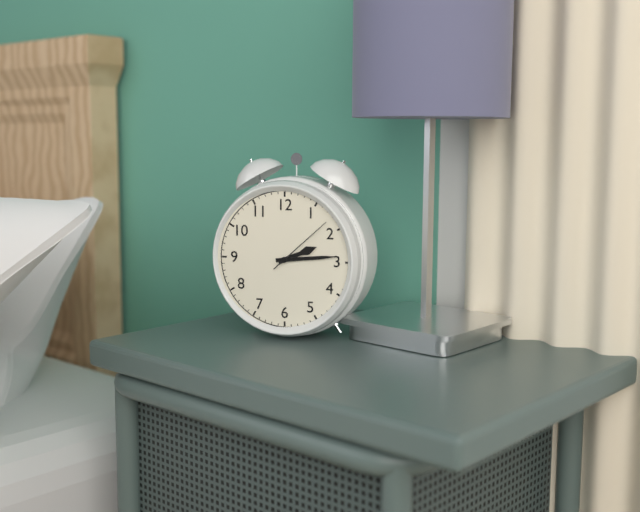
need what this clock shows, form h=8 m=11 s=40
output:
h=2 m=14 s=8
